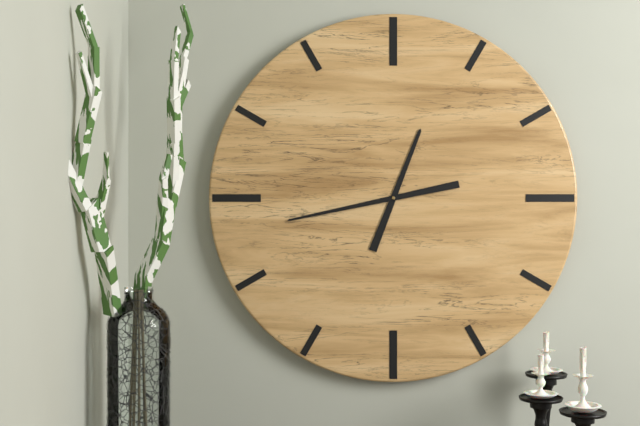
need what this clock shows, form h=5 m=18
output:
h=12 m=43
